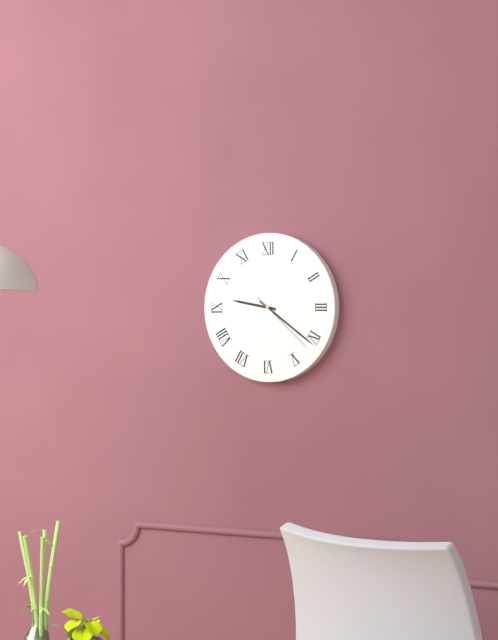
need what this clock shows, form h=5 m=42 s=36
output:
h=9 m=21 s=22
